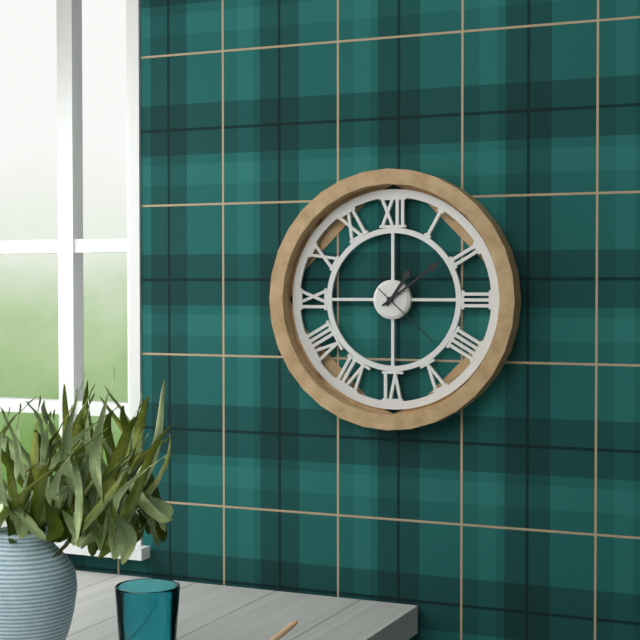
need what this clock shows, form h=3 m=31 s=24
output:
h=1 m=9 s=22
